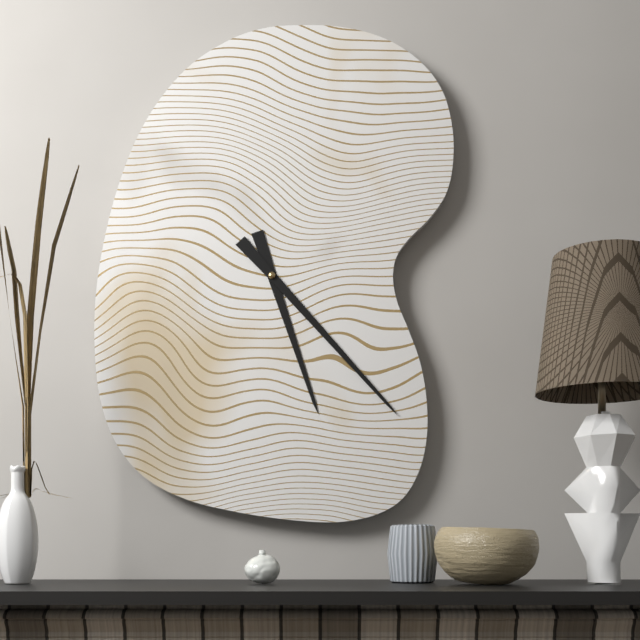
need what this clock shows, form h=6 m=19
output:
h=5 m=23
